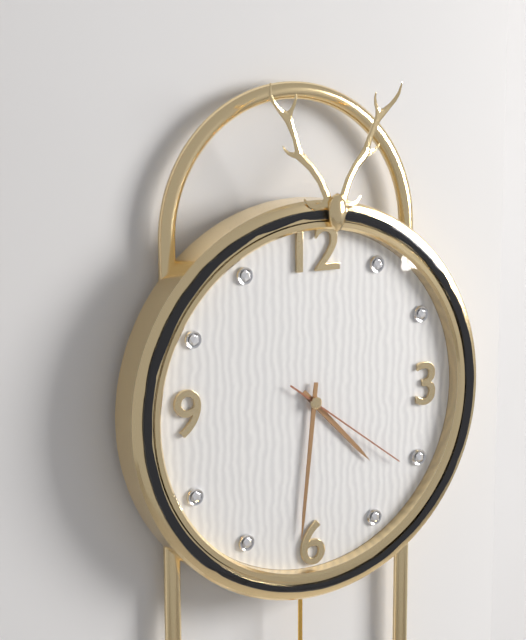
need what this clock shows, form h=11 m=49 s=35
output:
h=4 m=31 s=21
